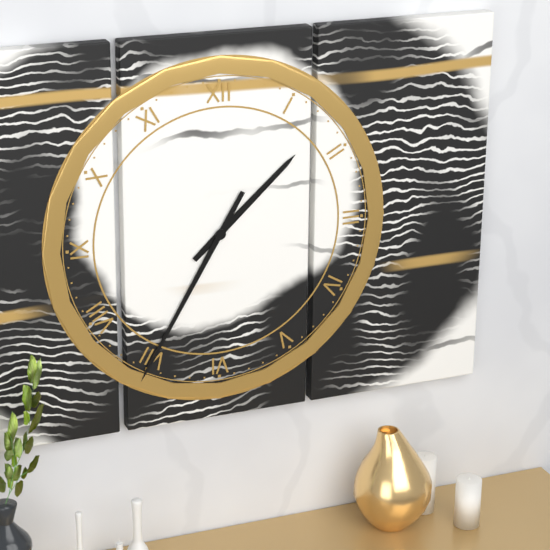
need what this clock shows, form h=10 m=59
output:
h=1 m=35
